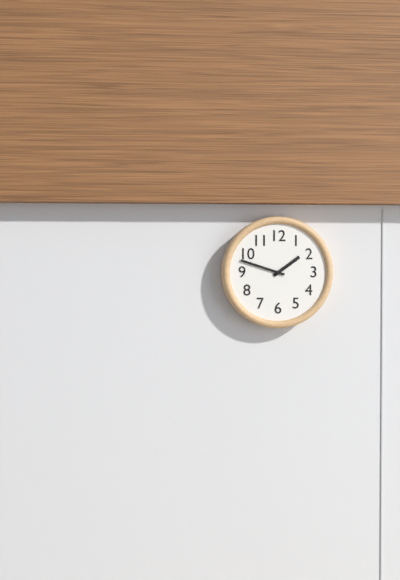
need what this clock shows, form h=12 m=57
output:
h=1 m=48
